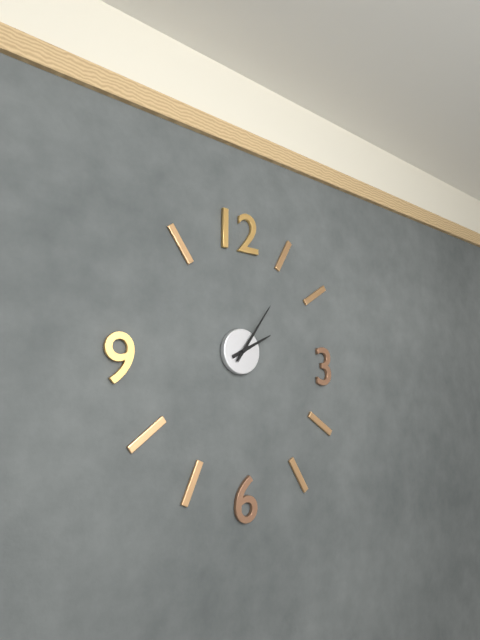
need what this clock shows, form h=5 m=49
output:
h=2 m=6
